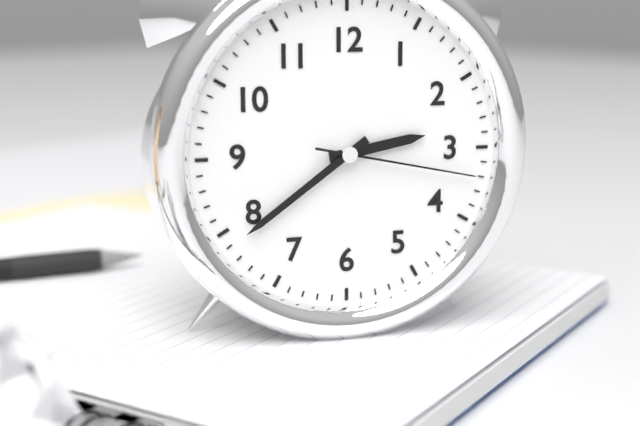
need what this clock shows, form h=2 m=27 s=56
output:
h=2 m=39 s=17
